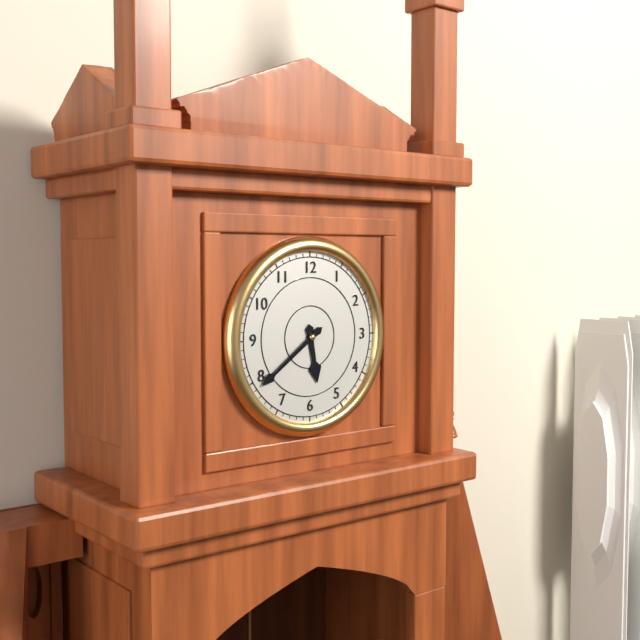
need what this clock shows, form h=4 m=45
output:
h=5 m=39
